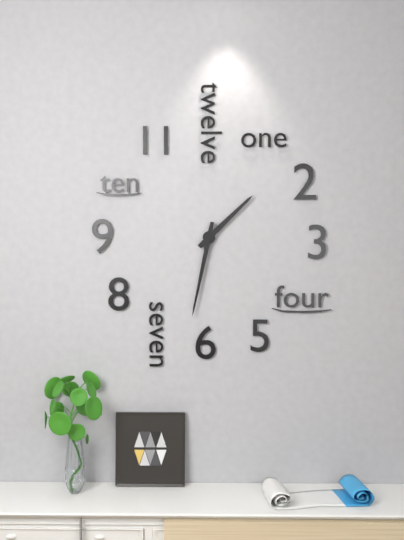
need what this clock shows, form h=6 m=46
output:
h=1 m=32
